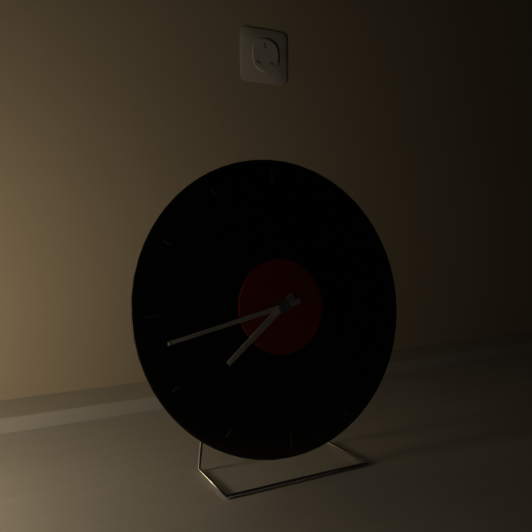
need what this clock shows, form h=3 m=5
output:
h=7 m=43
